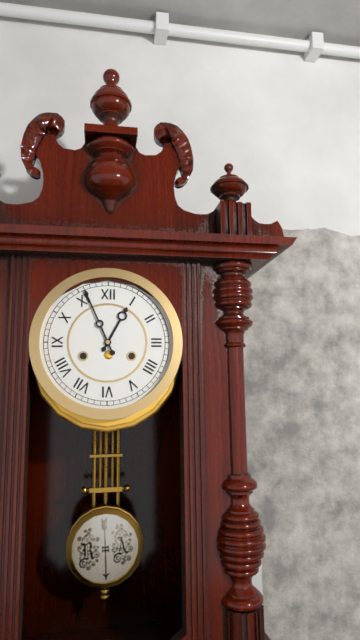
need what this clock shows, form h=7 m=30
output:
h=12 m=56
